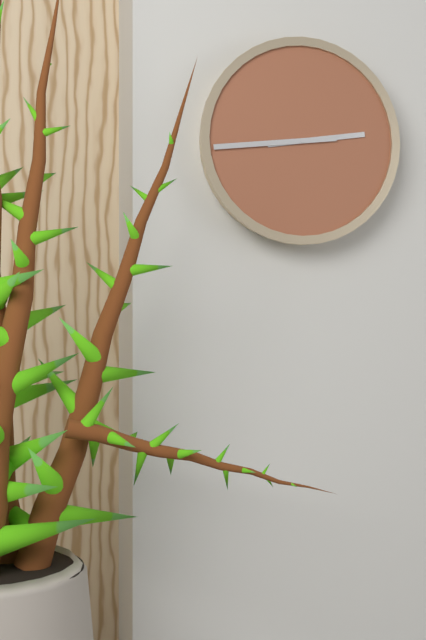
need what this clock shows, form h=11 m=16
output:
h=2 m=44
